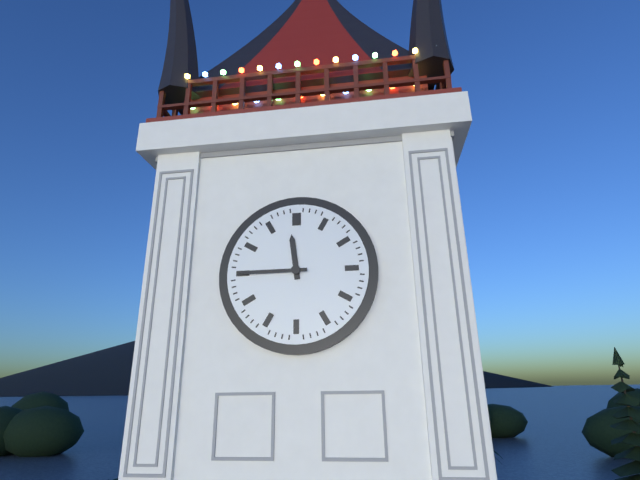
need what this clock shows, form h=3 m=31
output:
h=11 m=45
